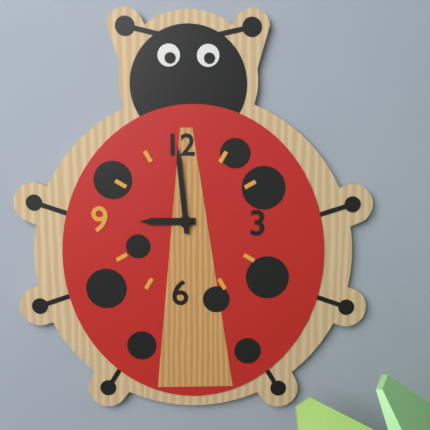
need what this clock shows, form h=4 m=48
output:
h=8 m=59
